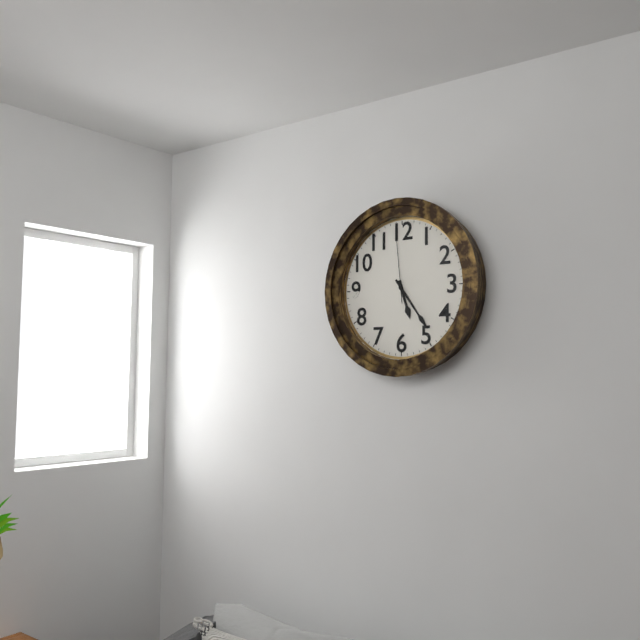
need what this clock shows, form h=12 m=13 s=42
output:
h=5 m=24 s=59
